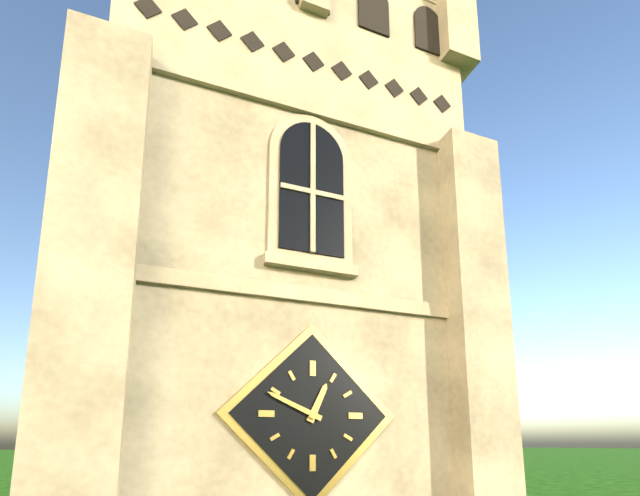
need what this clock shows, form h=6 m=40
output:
h=12 m=49
